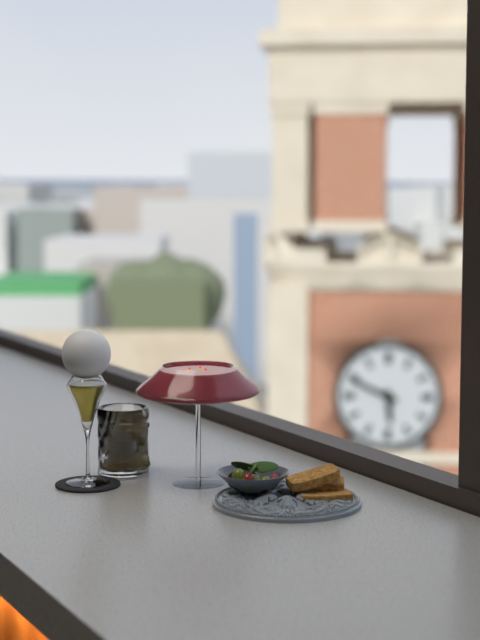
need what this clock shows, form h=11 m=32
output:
h=5 m=49
